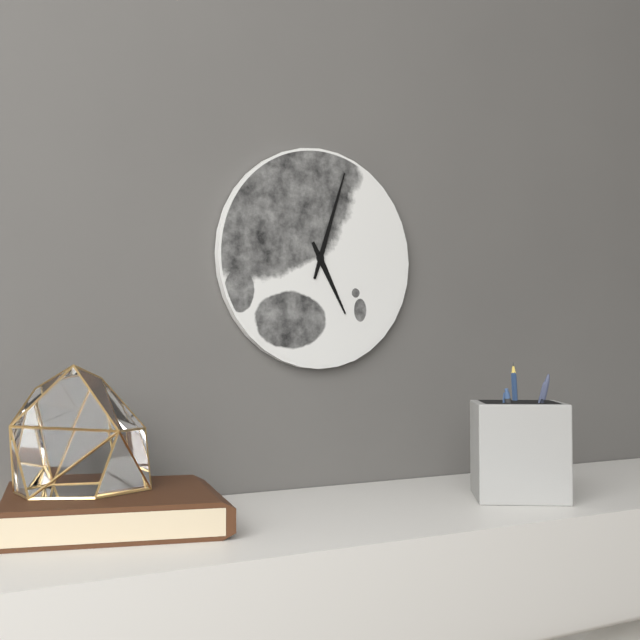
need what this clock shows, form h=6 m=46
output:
h=5 m=3
